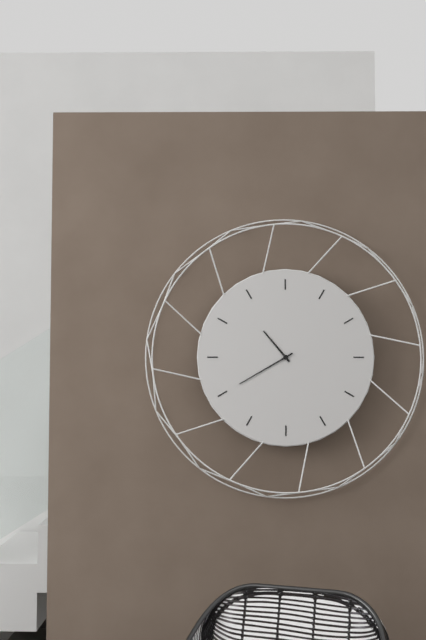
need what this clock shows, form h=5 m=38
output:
h=10 m=40
